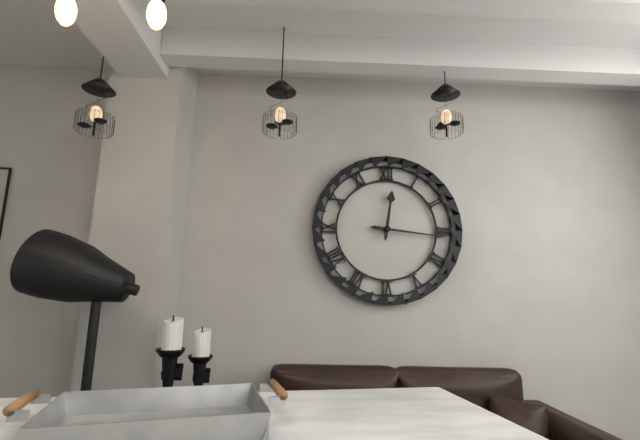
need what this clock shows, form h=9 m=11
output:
h=12 m=16
